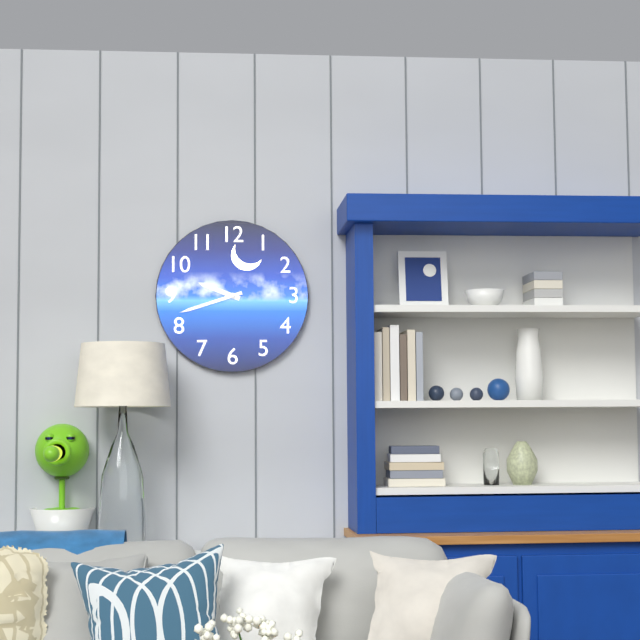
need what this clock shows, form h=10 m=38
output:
h=9 m=42
